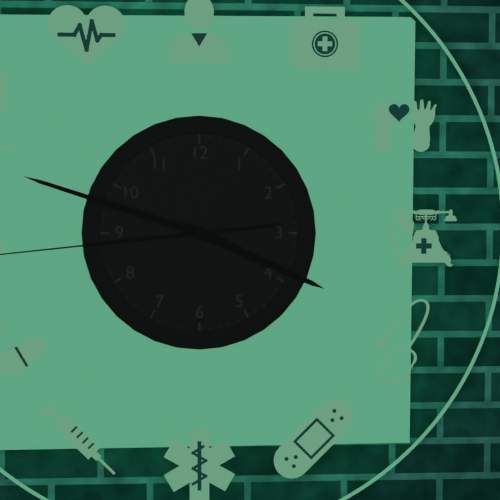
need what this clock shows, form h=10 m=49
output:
h=3 m=48
